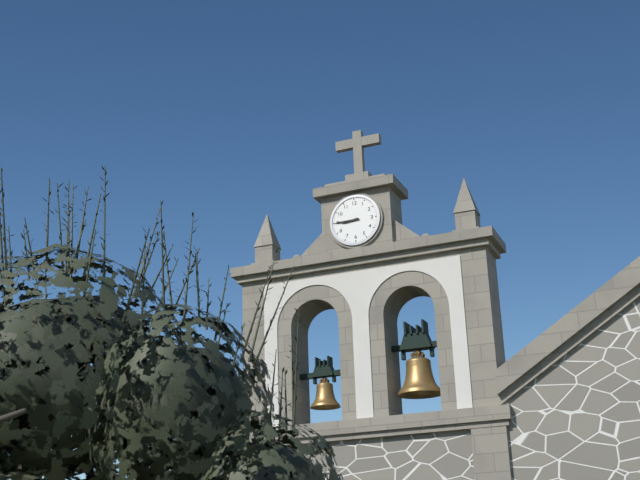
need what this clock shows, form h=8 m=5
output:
h=8 m=45
